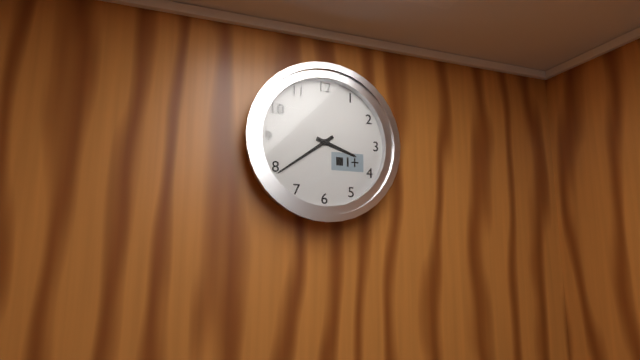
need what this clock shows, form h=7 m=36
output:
h=3 m=39
